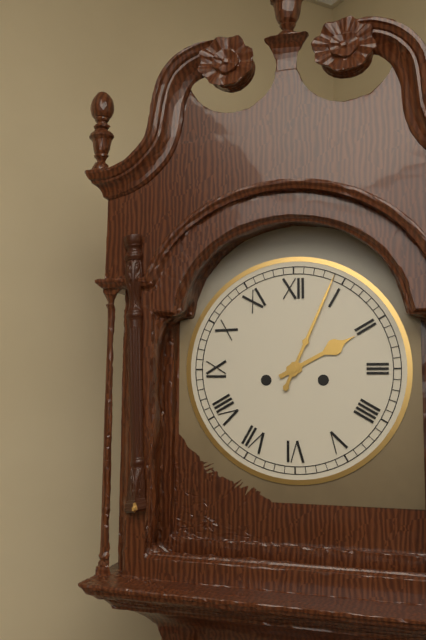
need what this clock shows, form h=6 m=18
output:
h=2 m=4
